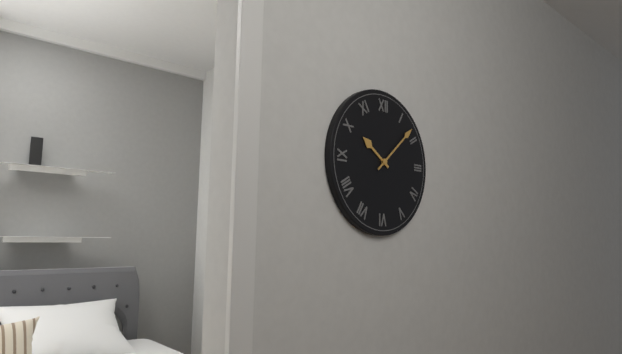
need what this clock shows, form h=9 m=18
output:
h=10 m=8
